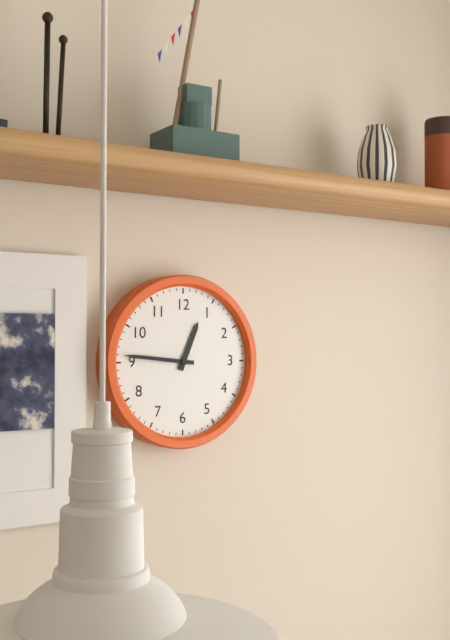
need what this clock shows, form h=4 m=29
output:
h=12 m=46
